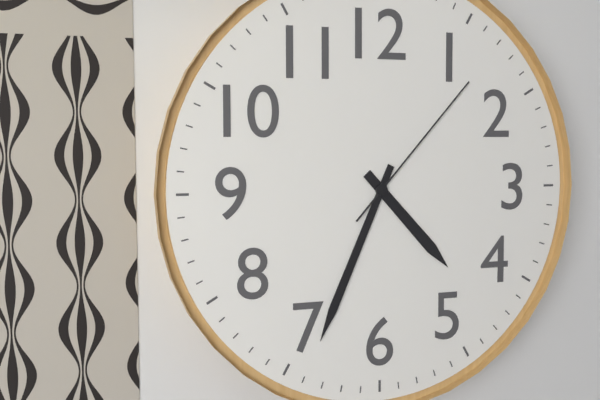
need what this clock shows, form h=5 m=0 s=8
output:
h=4 m=34 s=7
